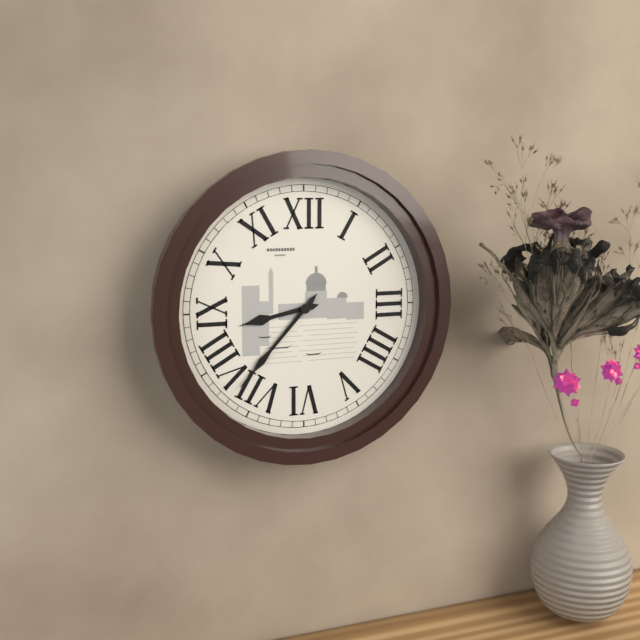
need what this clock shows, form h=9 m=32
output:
h=8 m=37
